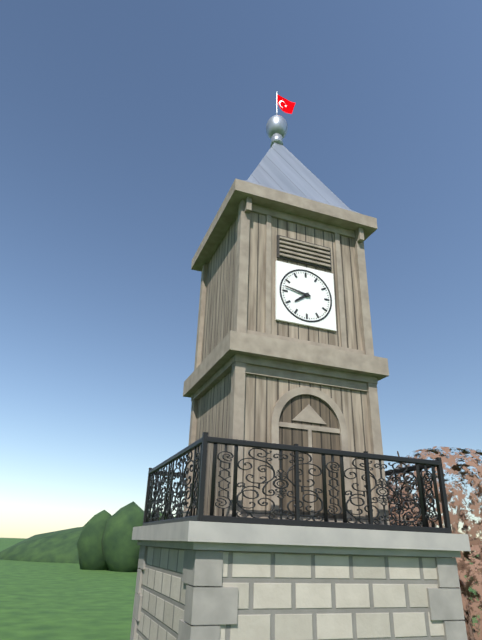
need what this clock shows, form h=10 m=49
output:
h=7 m=47
